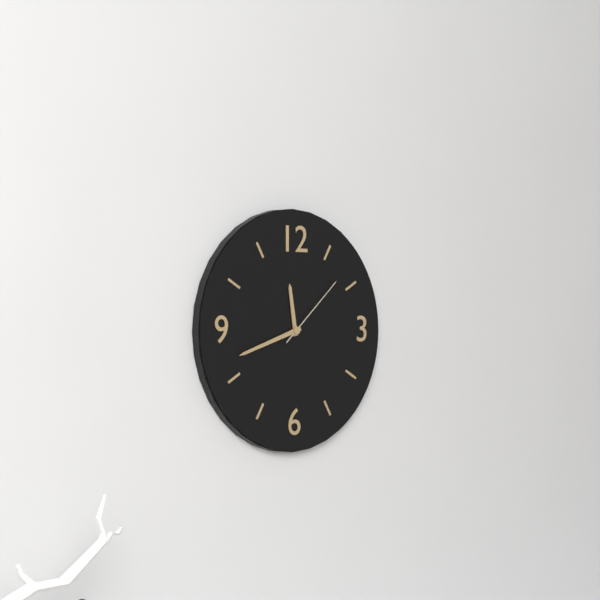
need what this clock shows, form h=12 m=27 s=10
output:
h=11 m=42 s=8
